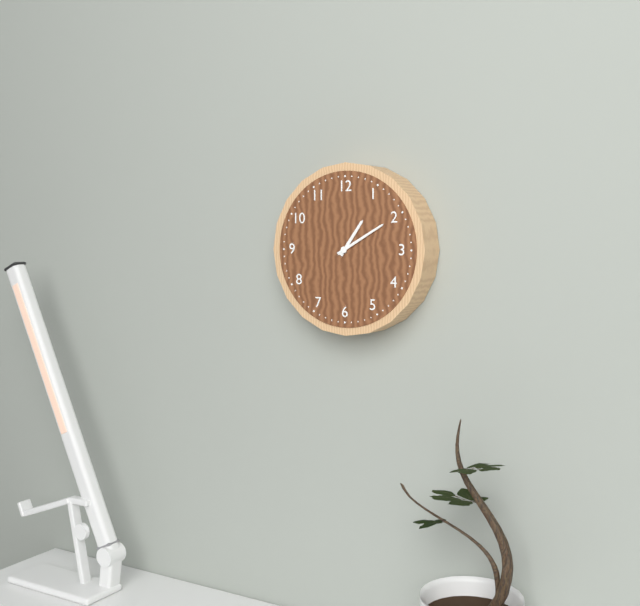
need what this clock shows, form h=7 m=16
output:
h=1 m=10
